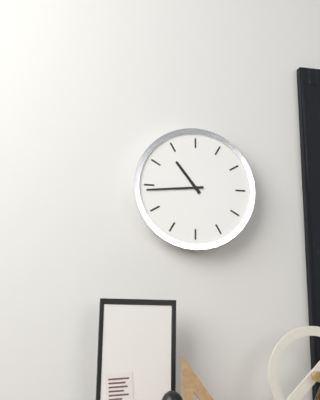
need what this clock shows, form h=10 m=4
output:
h=10 m=44
